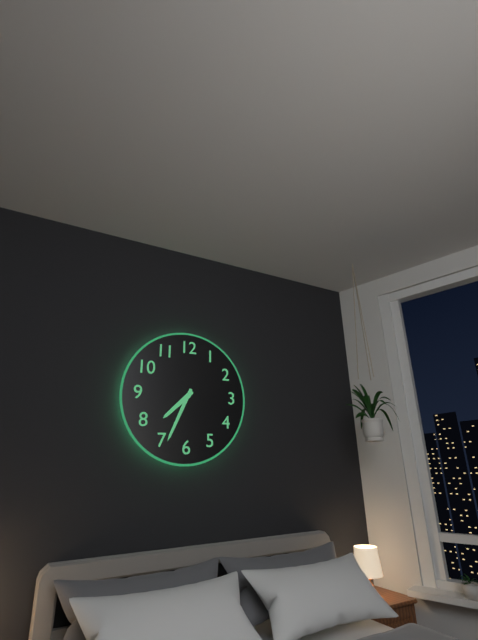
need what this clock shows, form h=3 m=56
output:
h=7 m=34
